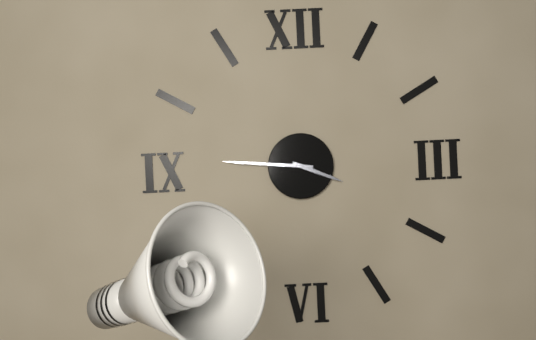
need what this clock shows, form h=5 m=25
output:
h=3 m=46
